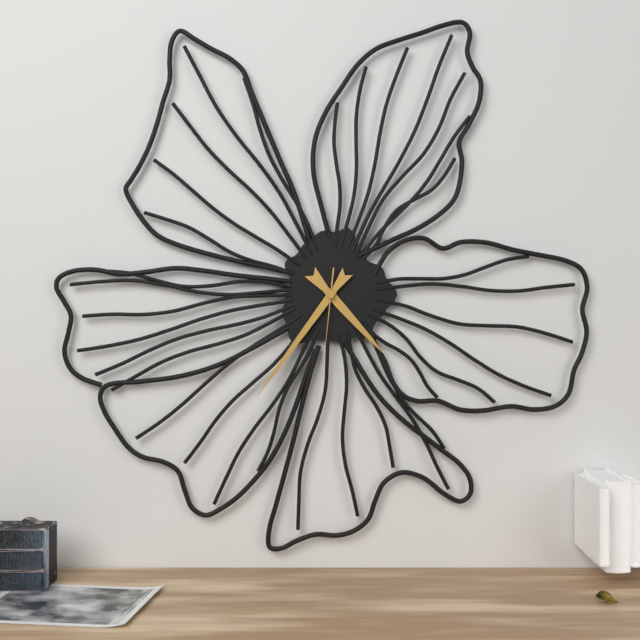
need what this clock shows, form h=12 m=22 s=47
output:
h=4 m=36 s=31
